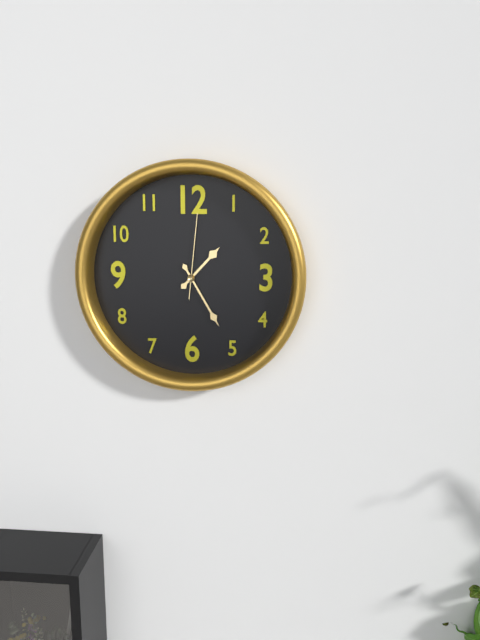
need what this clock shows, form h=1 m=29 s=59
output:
h=1 m=25 s=1
